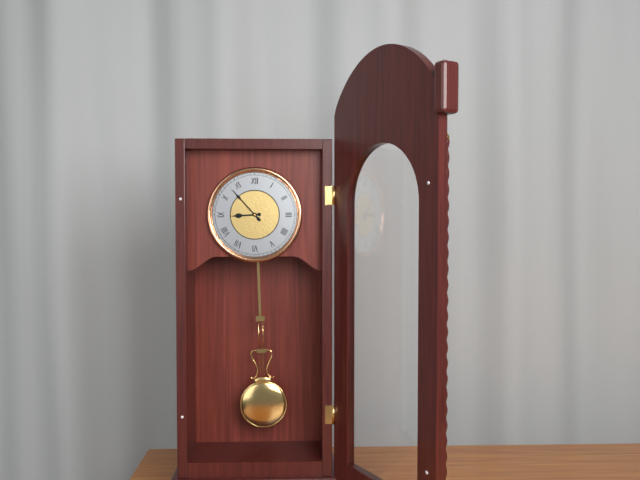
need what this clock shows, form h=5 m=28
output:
h=8 m=53
